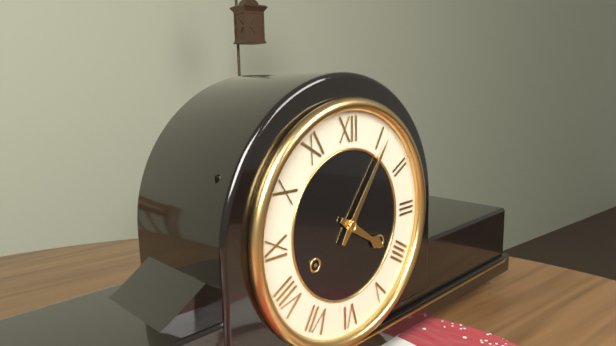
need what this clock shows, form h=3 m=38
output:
h=4 m=6
